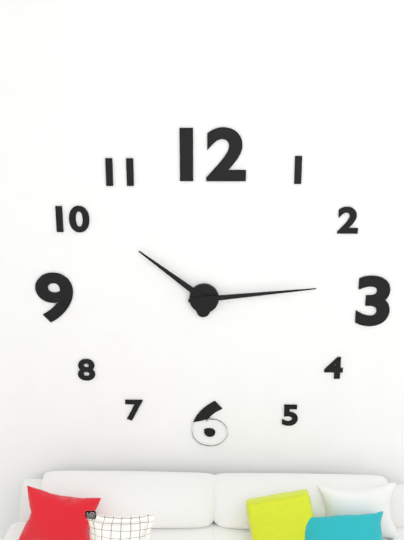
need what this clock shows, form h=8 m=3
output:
h=10 m=14
